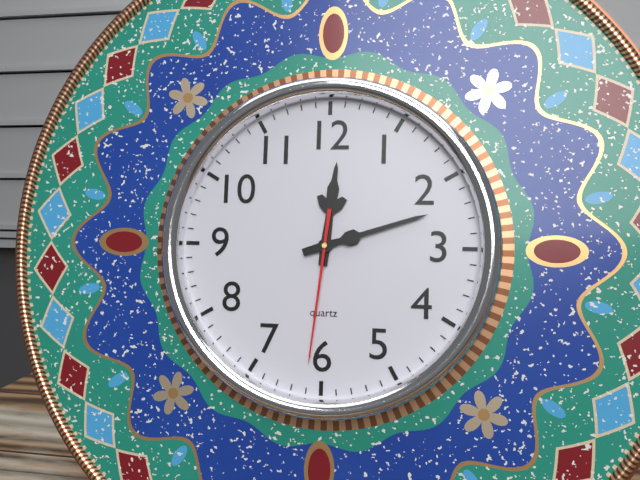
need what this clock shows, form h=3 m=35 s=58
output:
h=12 m=12 s=31
